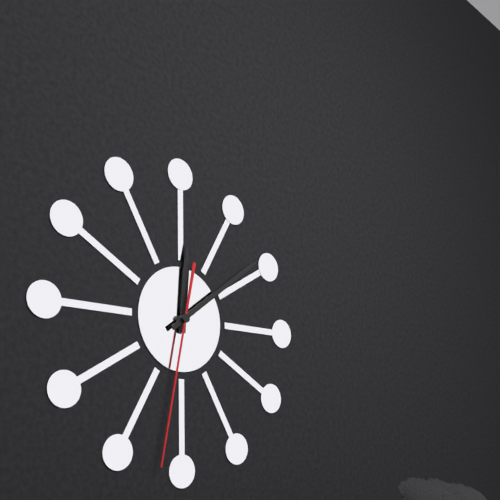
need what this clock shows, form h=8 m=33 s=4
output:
h=12 m=9 s=32
